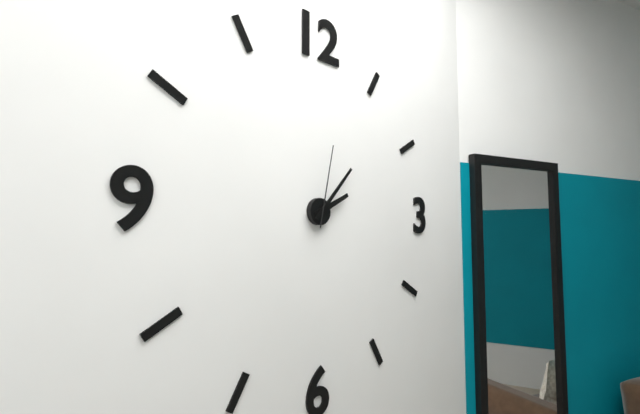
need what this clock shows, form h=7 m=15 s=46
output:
h=2 m=7 s=2
